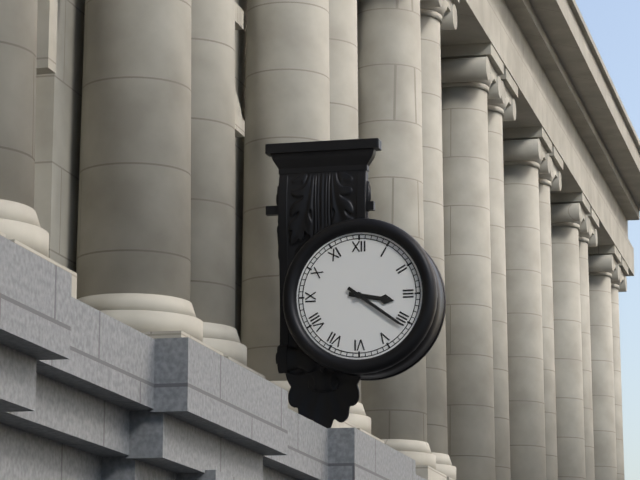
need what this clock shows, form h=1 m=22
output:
h=3 m=21
